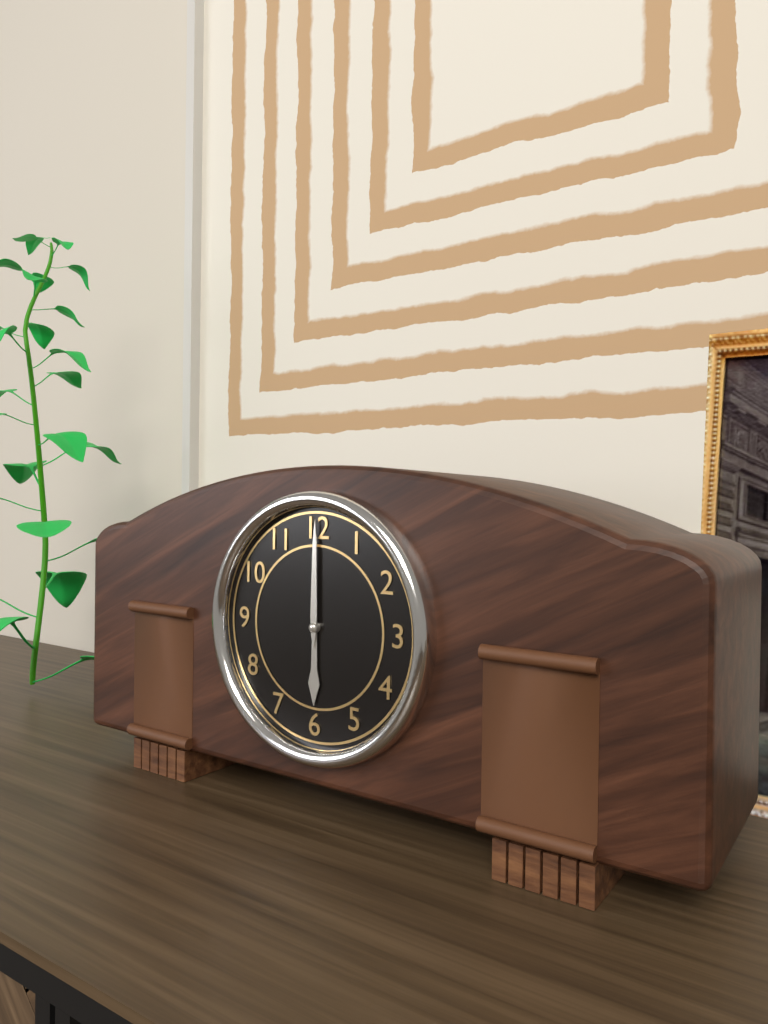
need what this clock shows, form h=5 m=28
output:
h=6 m=0
